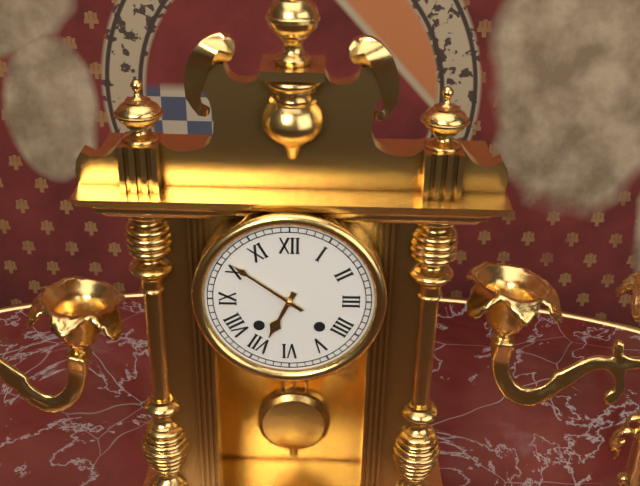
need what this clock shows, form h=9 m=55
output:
h=6 m=51
